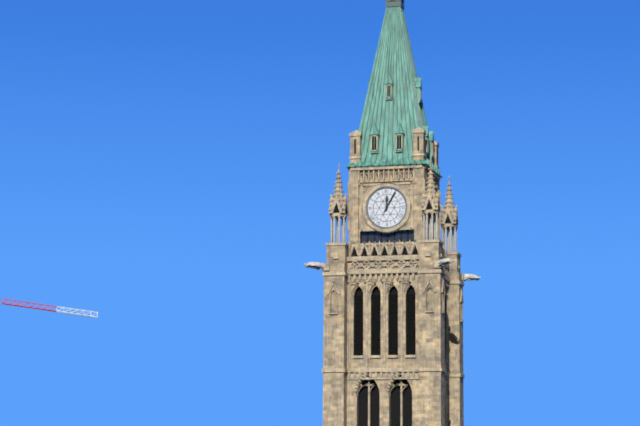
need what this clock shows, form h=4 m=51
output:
h=12 m=5
